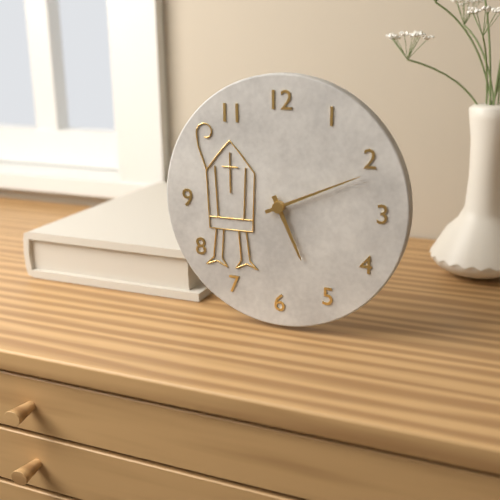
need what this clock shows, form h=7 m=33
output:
h=5 m=11
